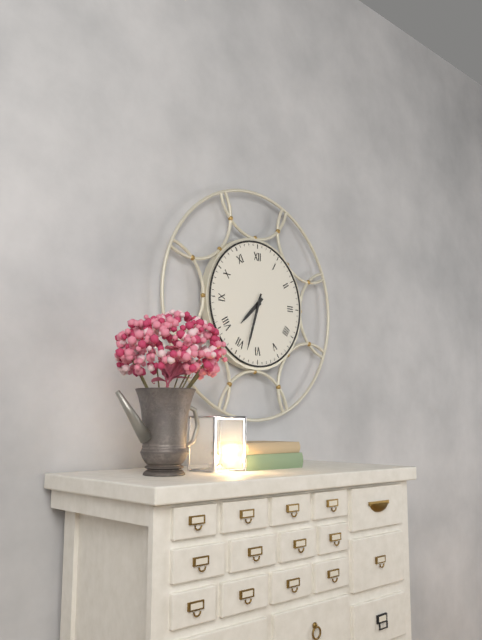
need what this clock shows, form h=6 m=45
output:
h=7 m=33
